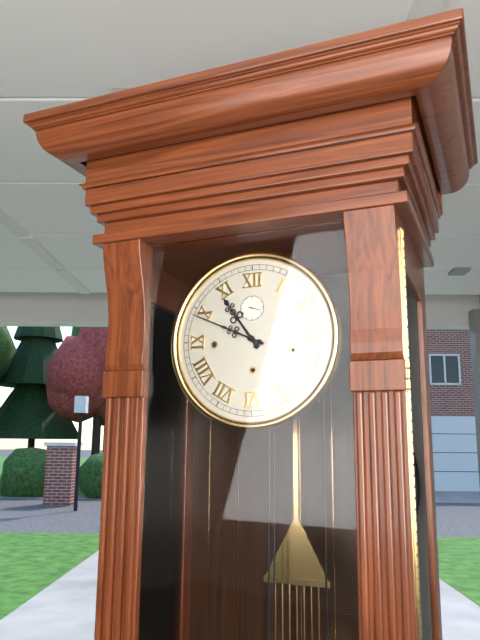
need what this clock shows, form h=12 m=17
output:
h=10 m=49
